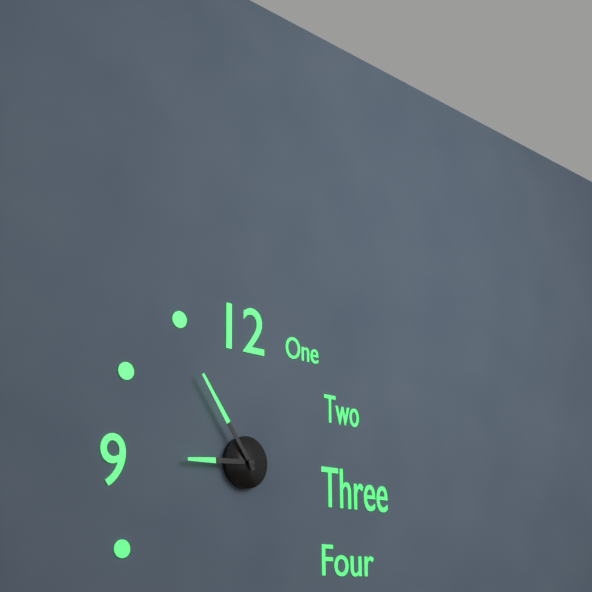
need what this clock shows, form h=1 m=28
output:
h=8 m=54
